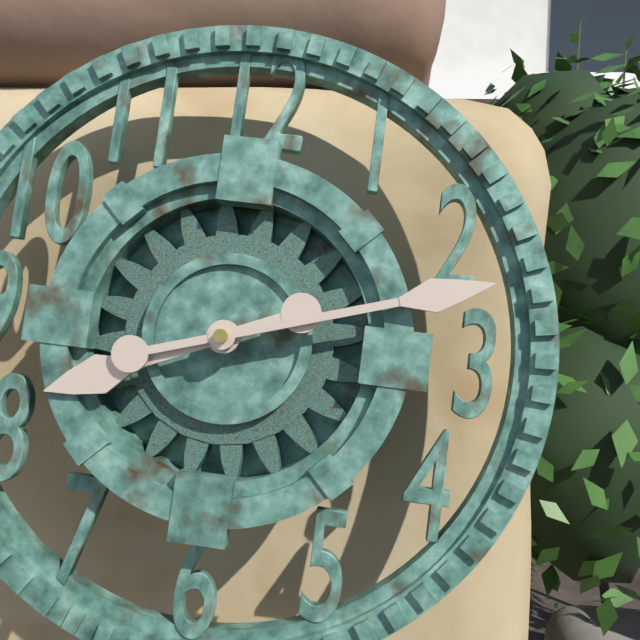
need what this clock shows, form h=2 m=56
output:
h=8 m=12
